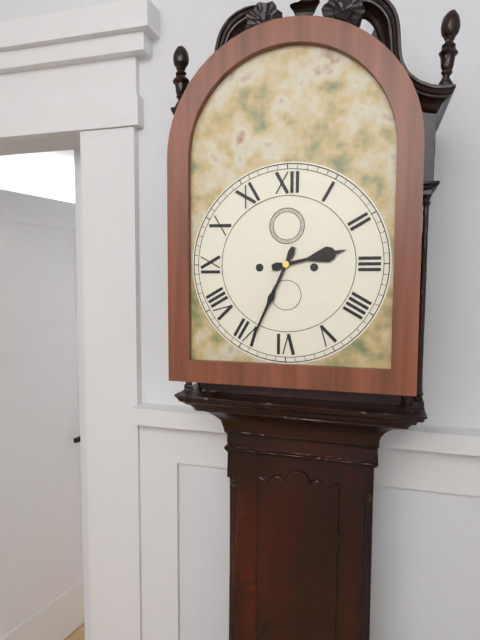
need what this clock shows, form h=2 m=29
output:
h=2 m=34
